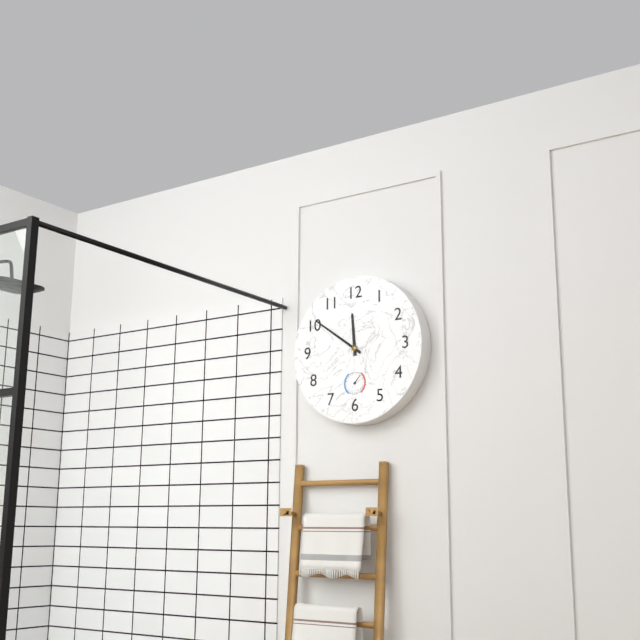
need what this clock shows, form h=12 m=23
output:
h=11 m=51
